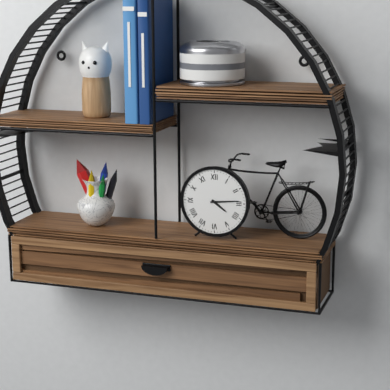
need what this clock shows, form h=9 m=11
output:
h=4 m=14
